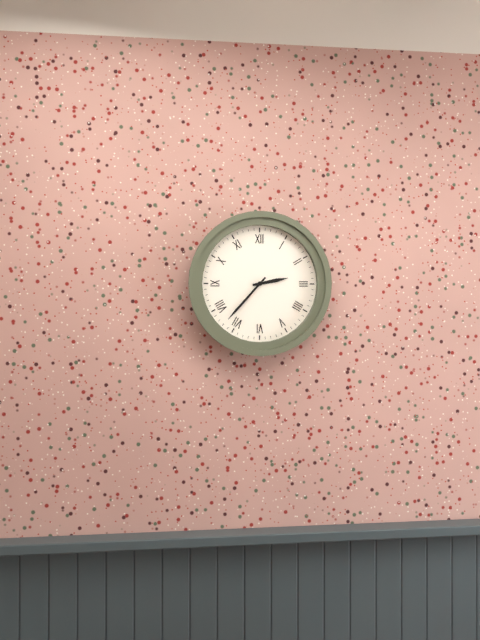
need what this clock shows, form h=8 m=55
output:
h=2 m=37
